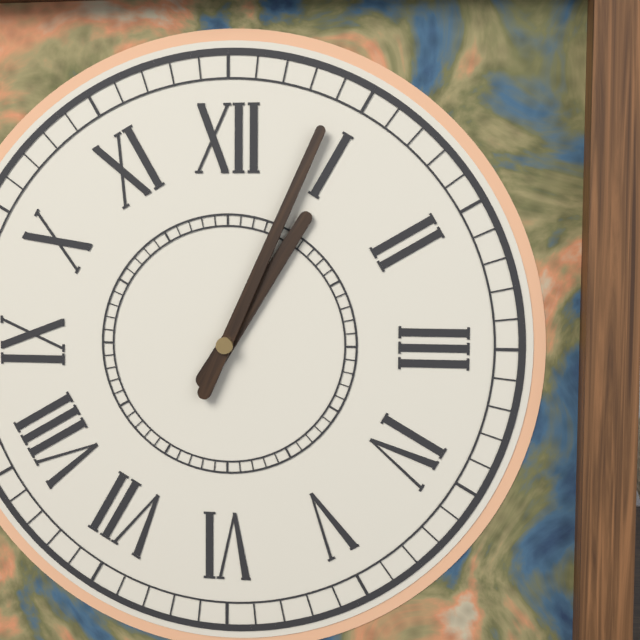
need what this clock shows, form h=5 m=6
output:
h=1 m=4
